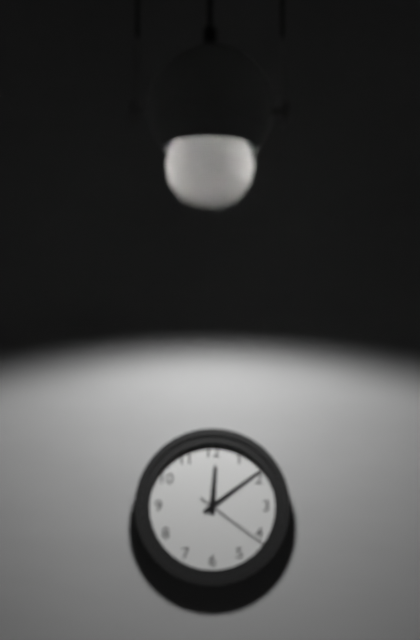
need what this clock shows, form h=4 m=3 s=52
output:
h=12 m=9 s=21
